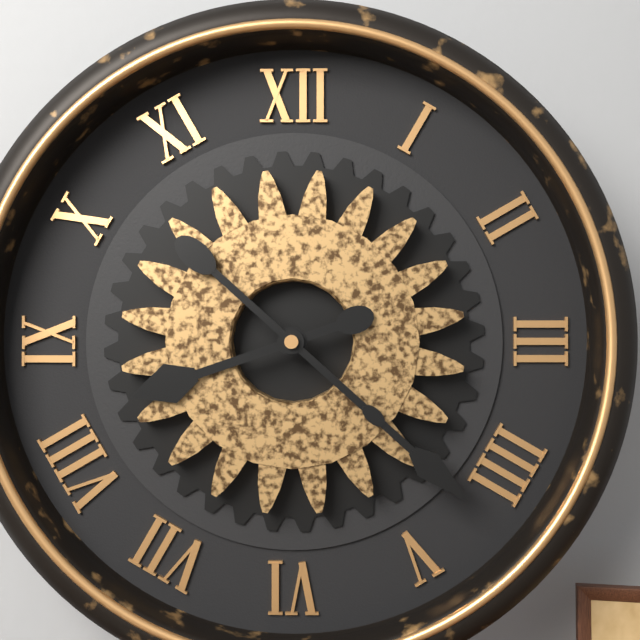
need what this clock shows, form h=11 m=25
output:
h=8 m=22
